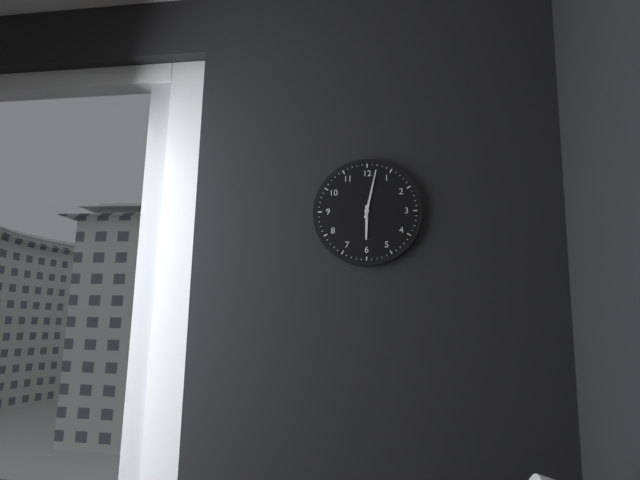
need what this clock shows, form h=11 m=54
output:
h=6 m=2
